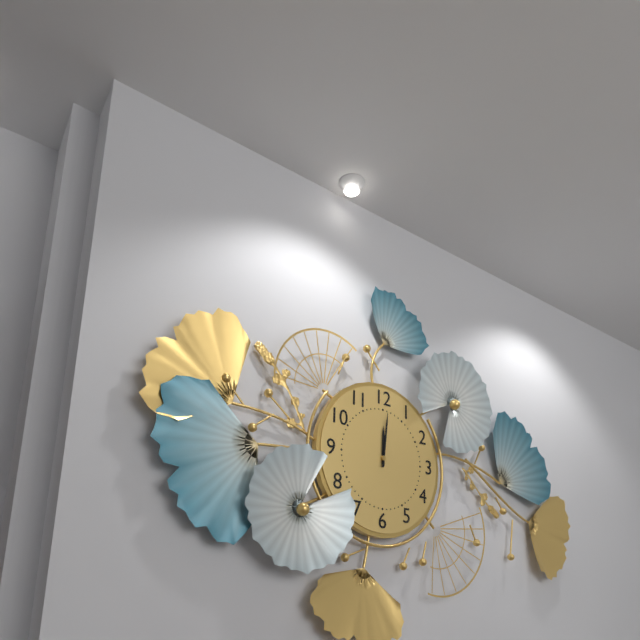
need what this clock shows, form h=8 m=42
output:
h=12 m=1
